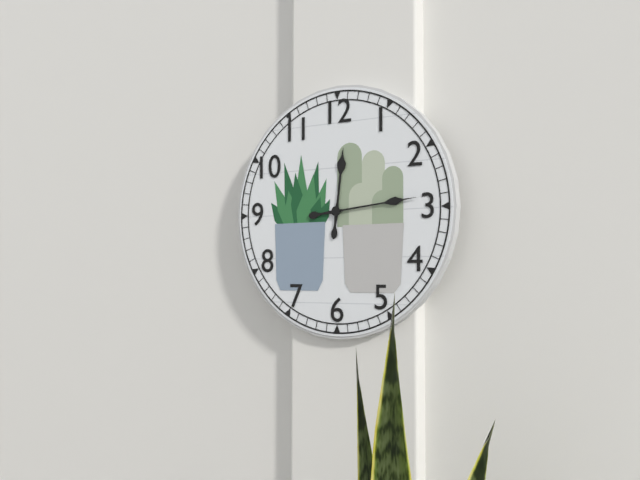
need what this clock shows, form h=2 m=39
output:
h=12 m=14
